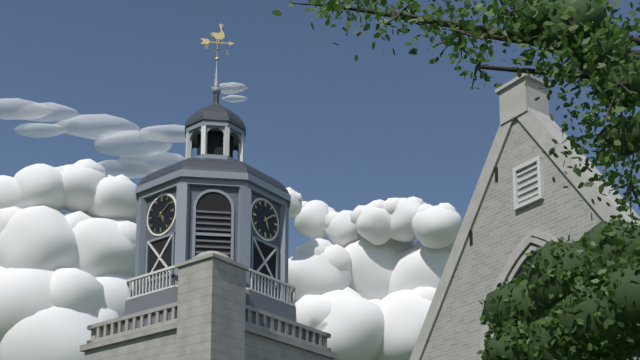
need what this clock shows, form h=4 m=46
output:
h=5 m=9
